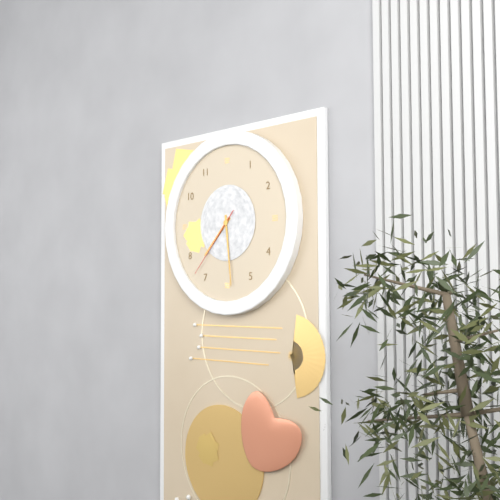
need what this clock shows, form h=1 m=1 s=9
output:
h=7 m=29 s=37
